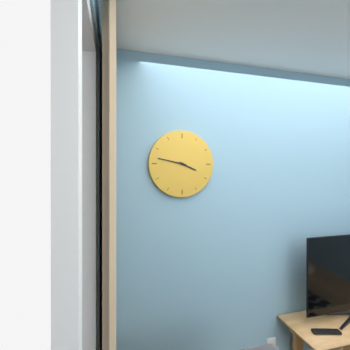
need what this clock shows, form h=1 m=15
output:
h=3 m=47
